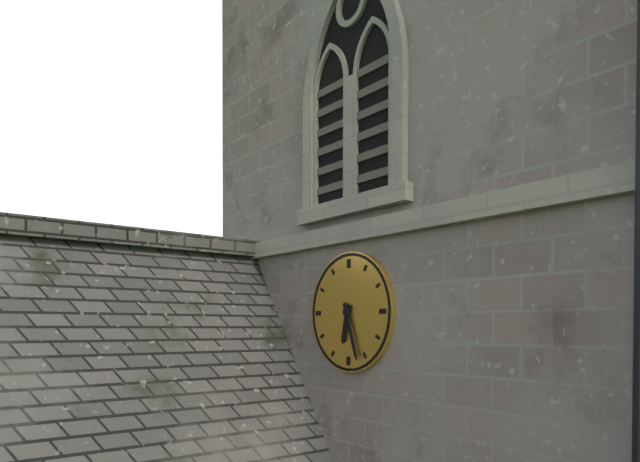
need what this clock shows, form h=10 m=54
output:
h=6 m=27
